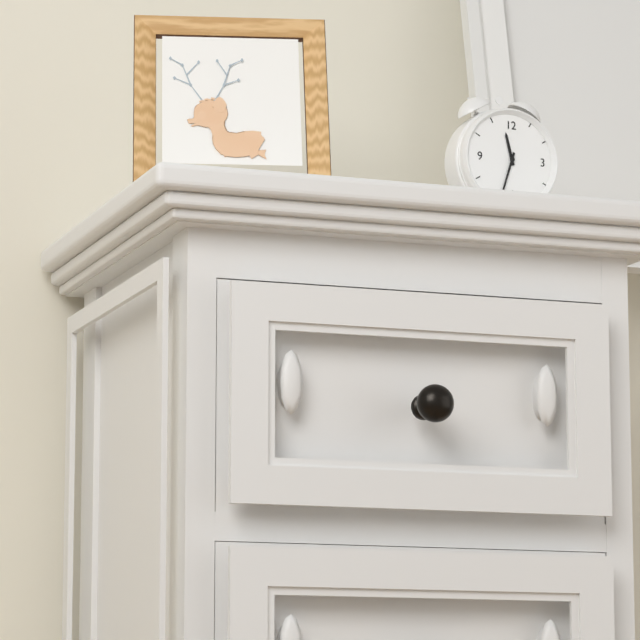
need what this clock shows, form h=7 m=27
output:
h=11 m=33
